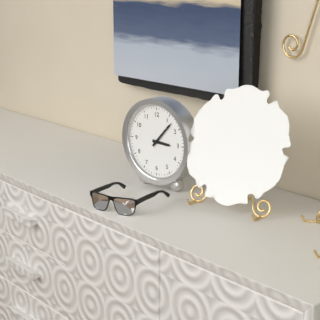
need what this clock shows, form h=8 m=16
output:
h=3 m=7
